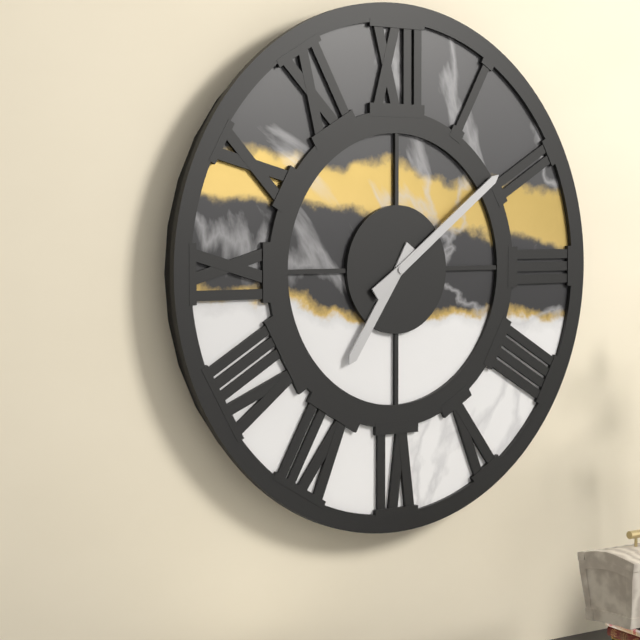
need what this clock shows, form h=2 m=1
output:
h=7 m=9
